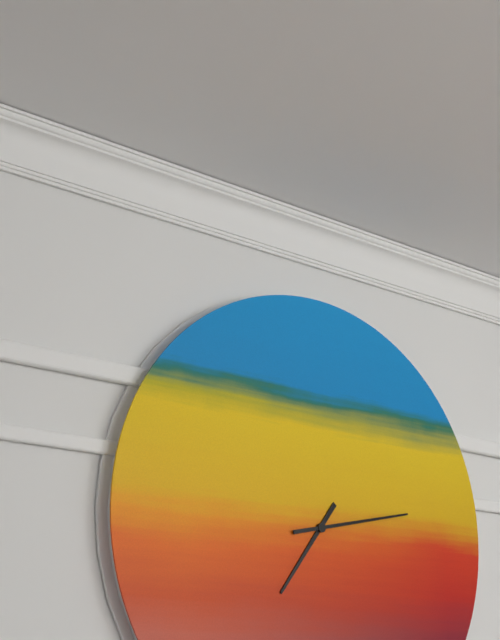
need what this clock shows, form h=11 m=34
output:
h=7 m=13
